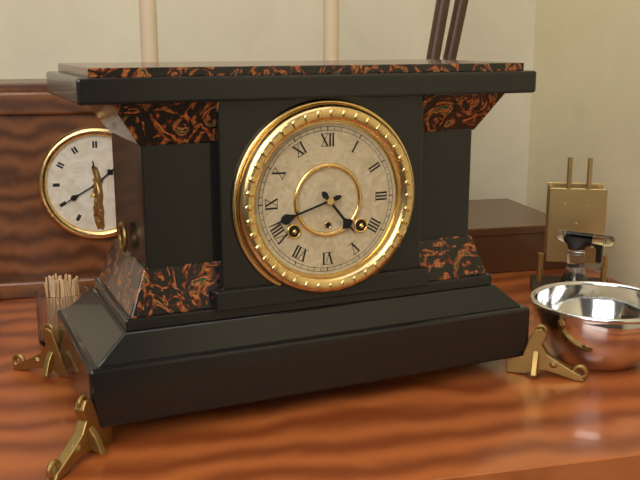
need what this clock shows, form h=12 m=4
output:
h=4 m=42
